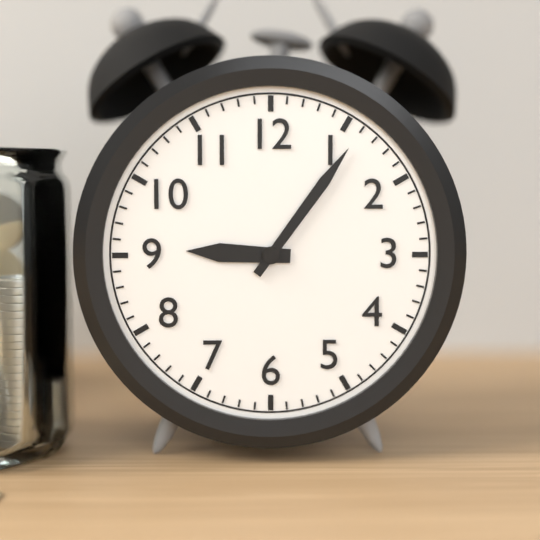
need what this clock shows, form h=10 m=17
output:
h=9 m=6
